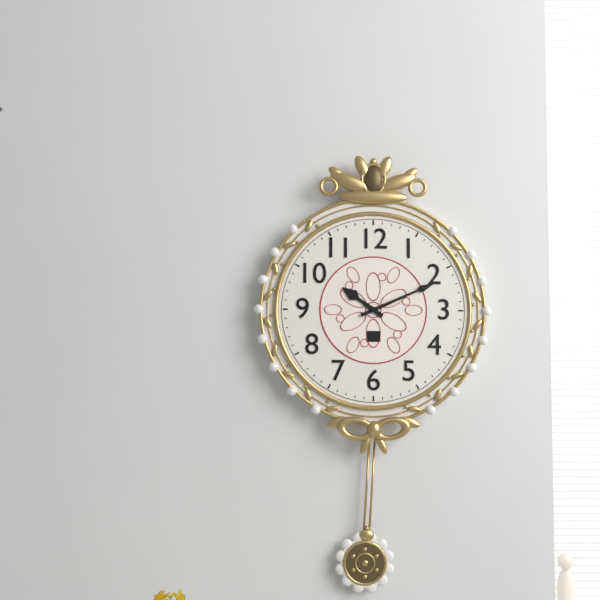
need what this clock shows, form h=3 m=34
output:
h=10 m=11
